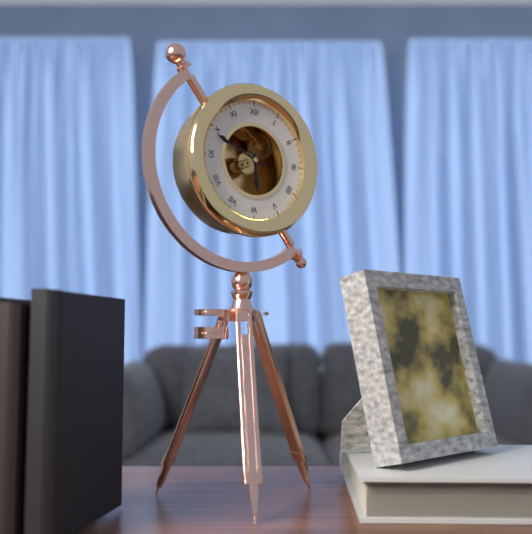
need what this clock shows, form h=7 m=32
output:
h=5 m=49
